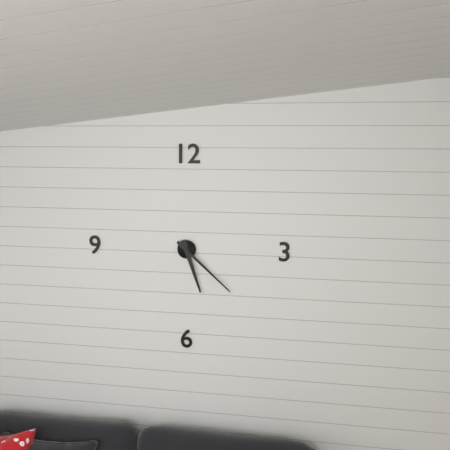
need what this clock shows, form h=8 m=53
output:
h=5 m=22
